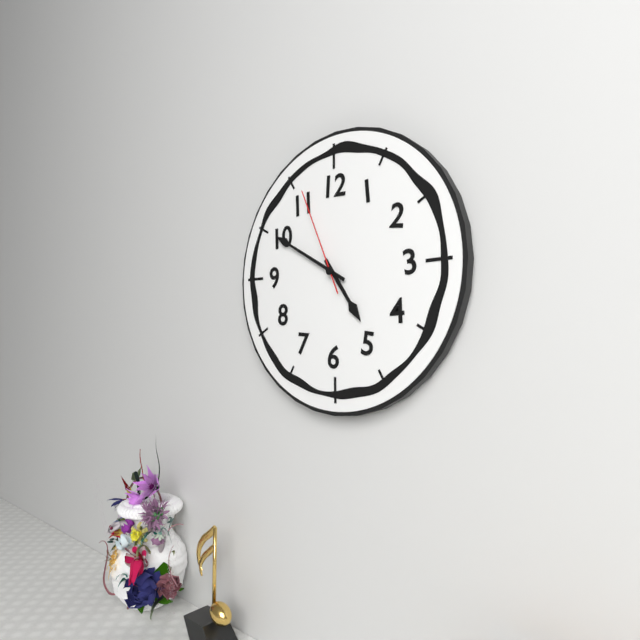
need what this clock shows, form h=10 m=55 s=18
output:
h=4 m=50 s=56
